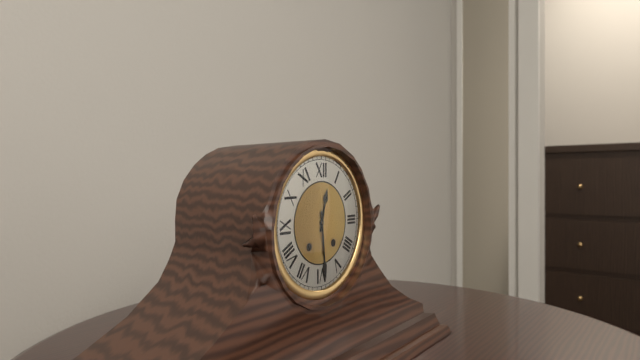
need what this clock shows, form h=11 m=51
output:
h=12 m=29
